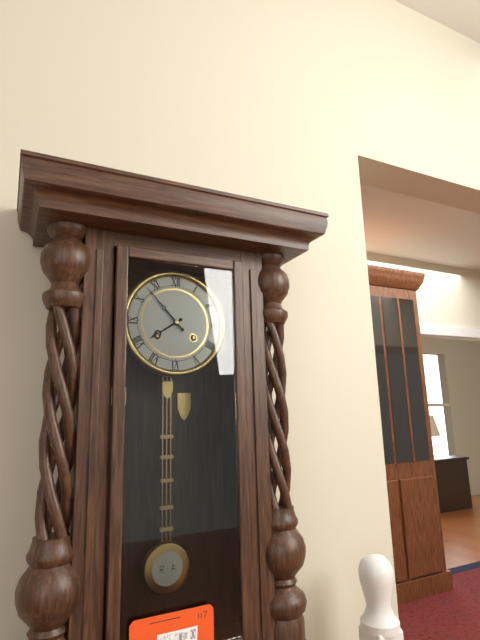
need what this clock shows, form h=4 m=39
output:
h=7 m=53
